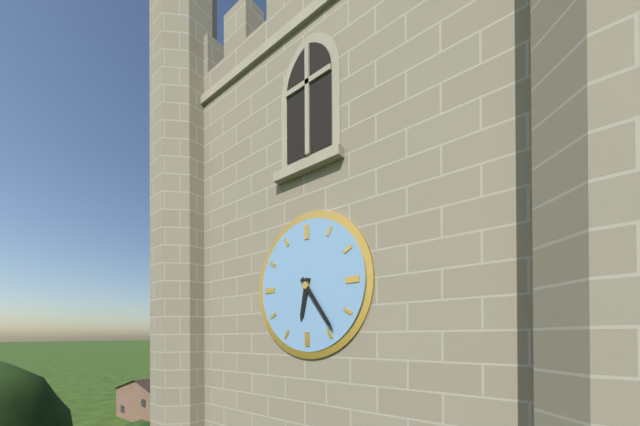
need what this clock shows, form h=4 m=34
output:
h=6 m=24
